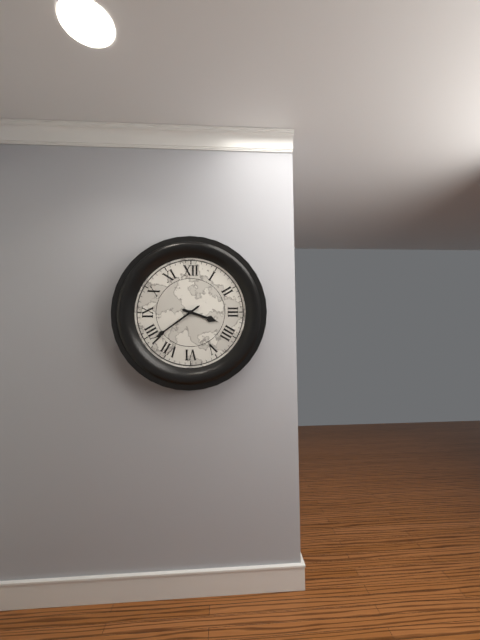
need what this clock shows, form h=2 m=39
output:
h=3 m=39
